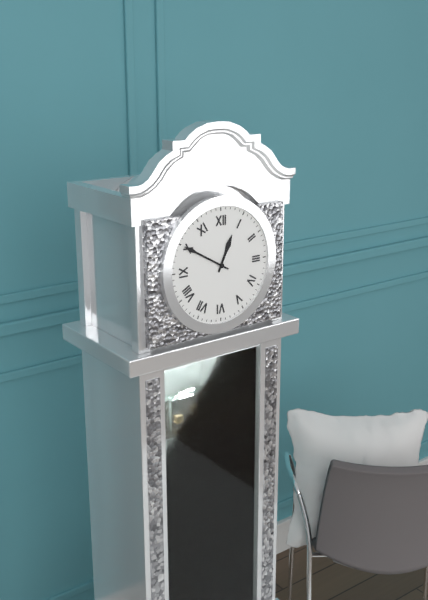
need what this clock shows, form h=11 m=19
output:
h=12 m=50
